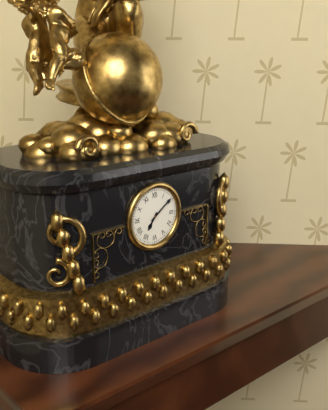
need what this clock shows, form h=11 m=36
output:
h=7 m=9
